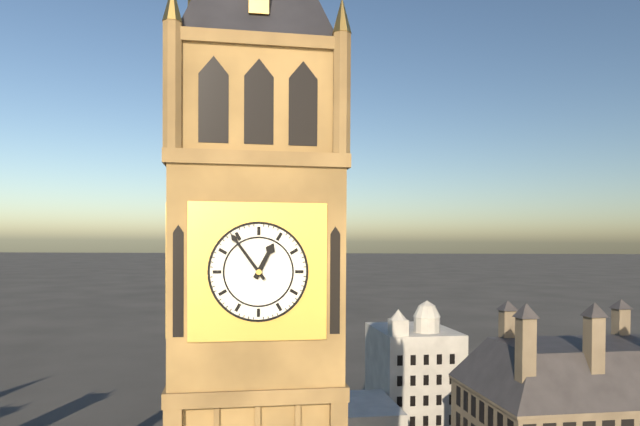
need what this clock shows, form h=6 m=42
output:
h=12 m=54
